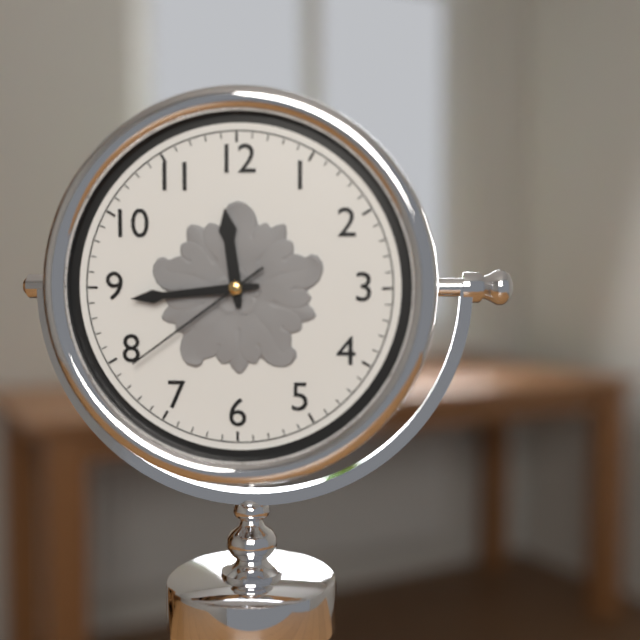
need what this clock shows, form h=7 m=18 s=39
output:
h=11 m=44 s=39
